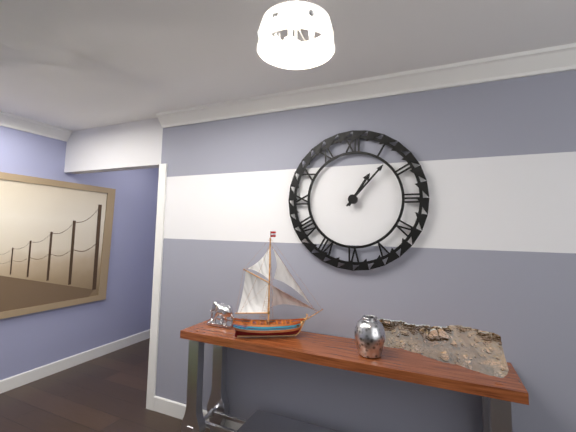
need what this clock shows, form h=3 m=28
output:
h=1 m=7
